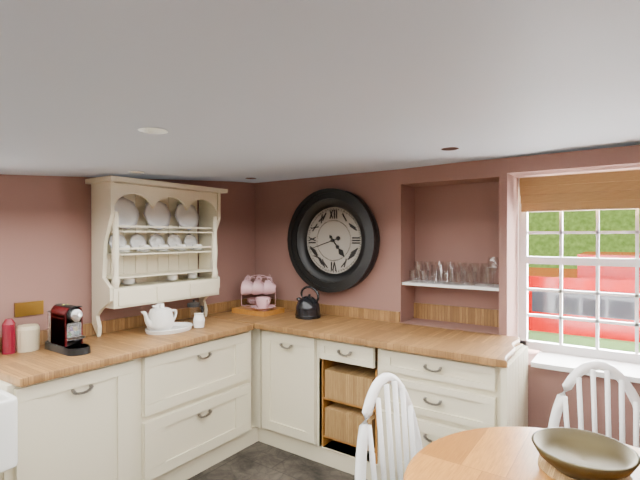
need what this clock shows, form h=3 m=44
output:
h=4 m=42
